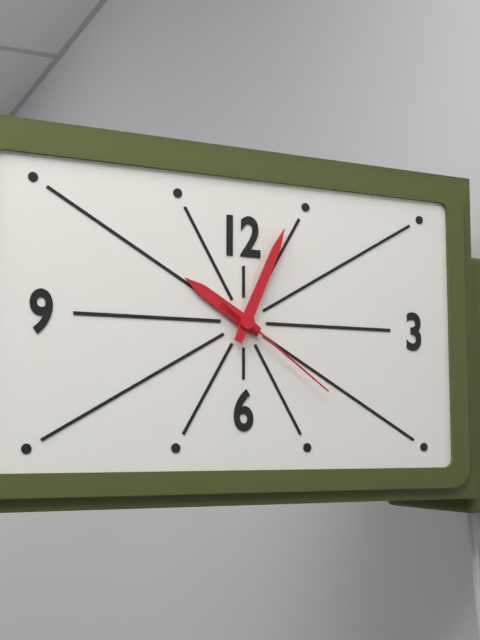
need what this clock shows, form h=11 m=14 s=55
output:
h=10 m=4 s=21
